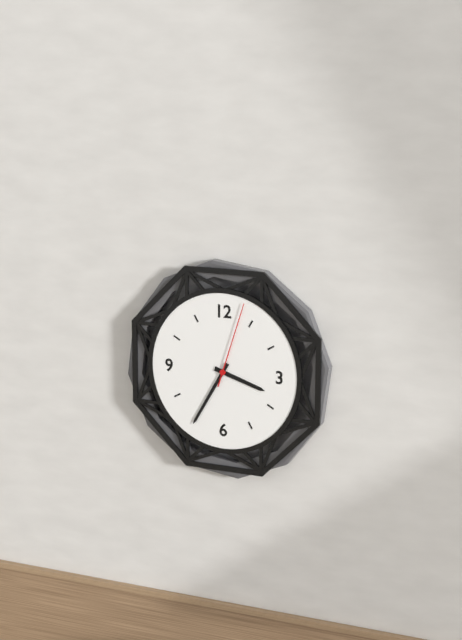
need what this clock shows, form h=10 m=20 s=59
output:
h=3 m=35 s=3
